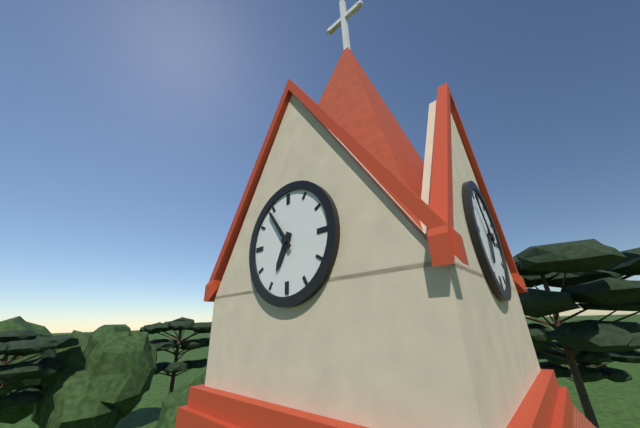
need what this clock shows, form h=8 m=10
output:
h=6 m=54
